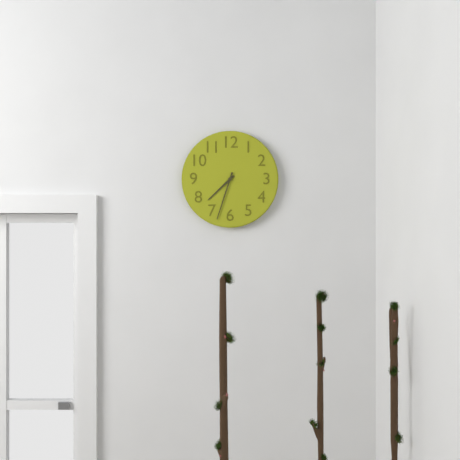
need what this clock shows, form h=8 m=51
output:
h=7 m=33
